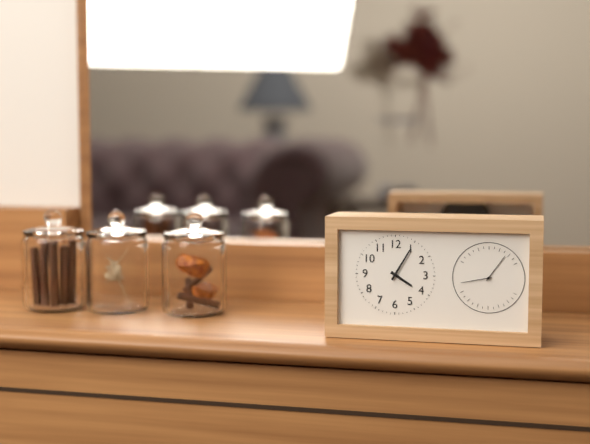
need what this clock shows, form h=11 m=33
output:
h=4 m=5
